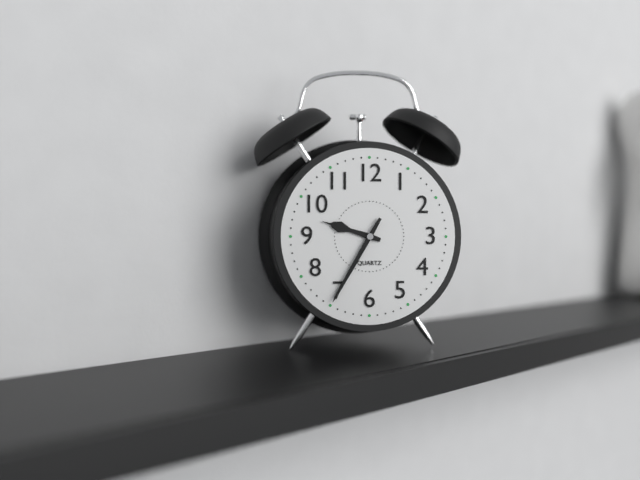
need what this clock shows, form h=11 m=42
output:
h=9 m=35
